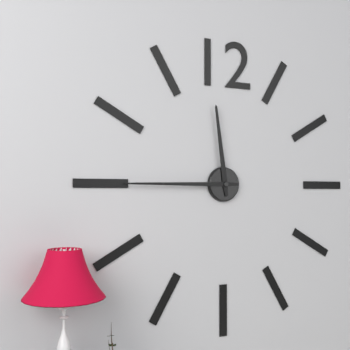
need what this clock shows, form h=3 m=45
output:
h=11 m=45
